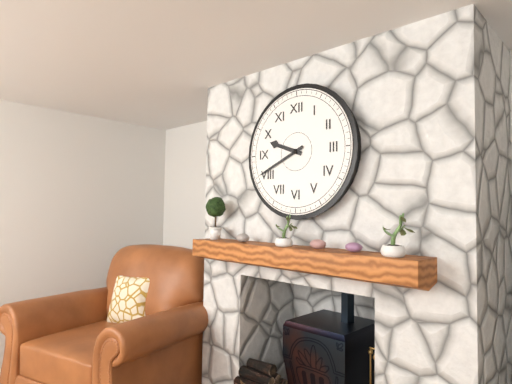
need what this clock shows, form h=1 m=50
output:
h=9 m=41
